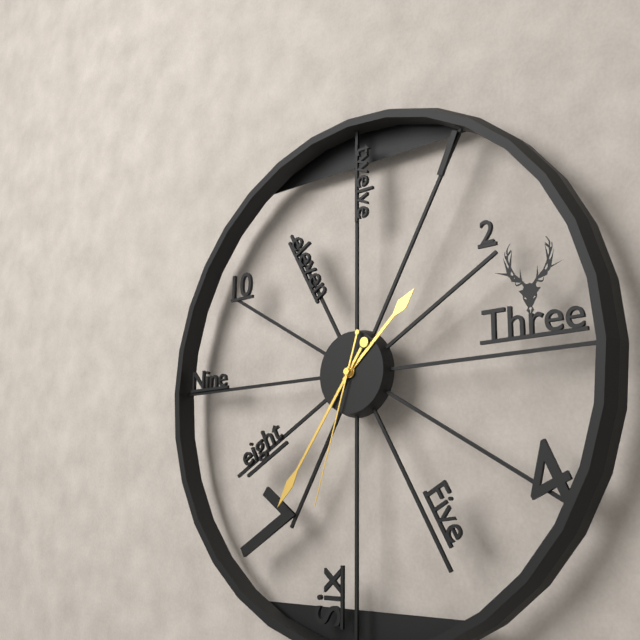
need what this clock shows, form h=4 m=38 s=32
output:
h=1 m=36 s=33
